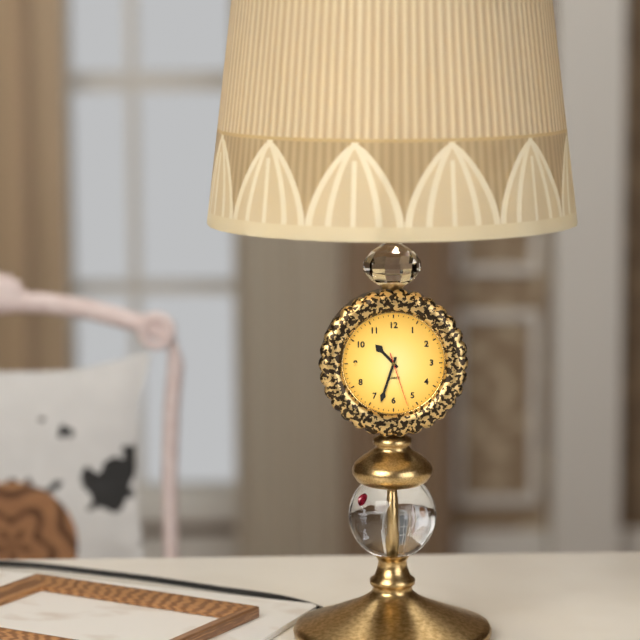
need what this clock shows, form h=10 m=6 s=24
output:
h=10 m=33 s=27
